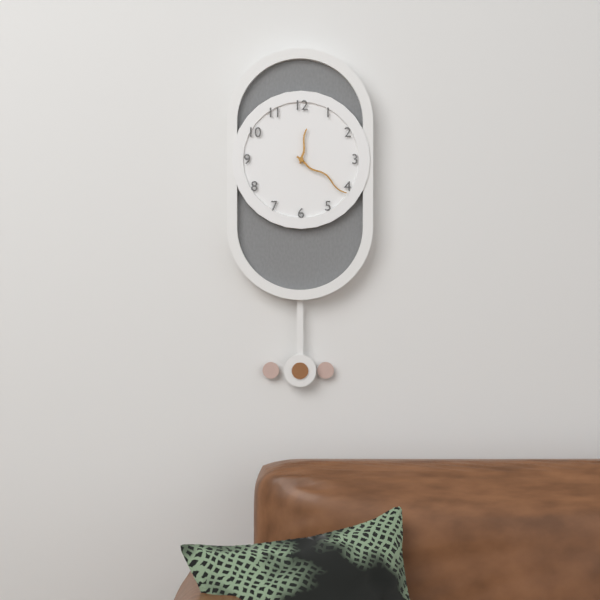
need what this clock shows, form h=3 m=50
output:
h=12 m=21
